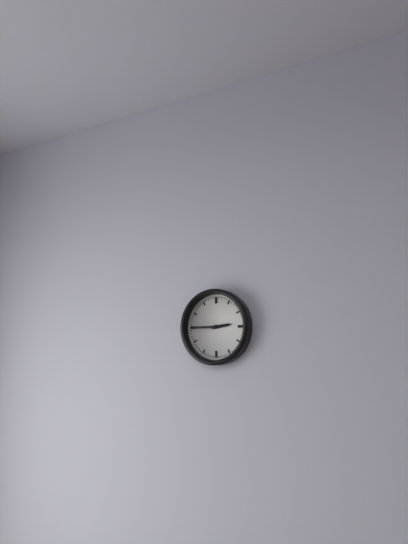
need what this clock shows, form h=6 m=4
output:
h=2 m=45
